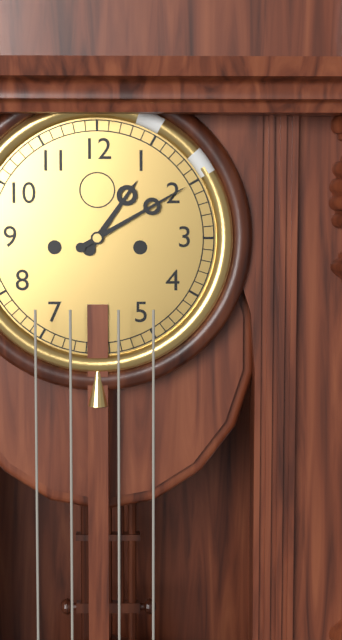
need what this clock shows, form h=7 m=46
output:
h=1 m=10
